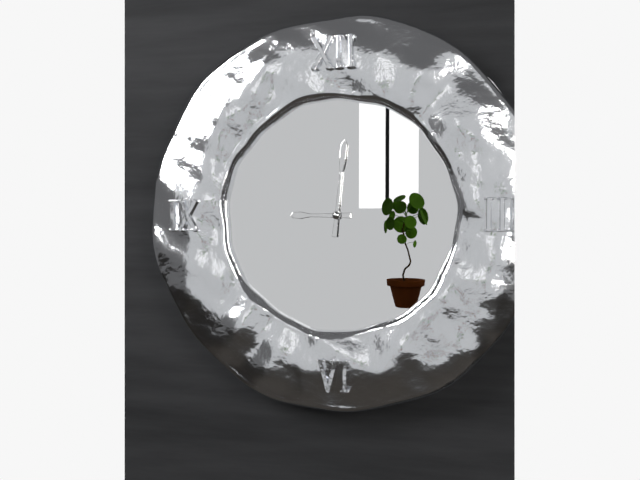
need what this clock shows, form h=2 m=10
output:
h=9 m=1
